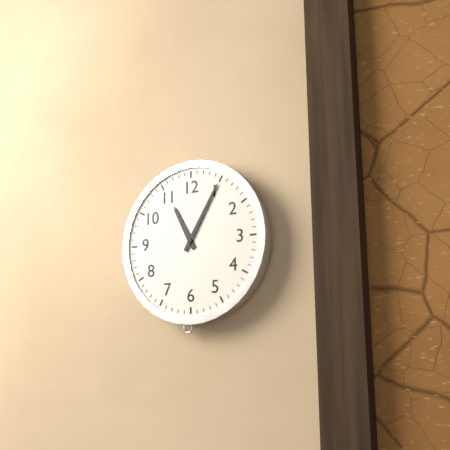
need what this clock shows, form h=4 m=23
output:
h=11 m=5
